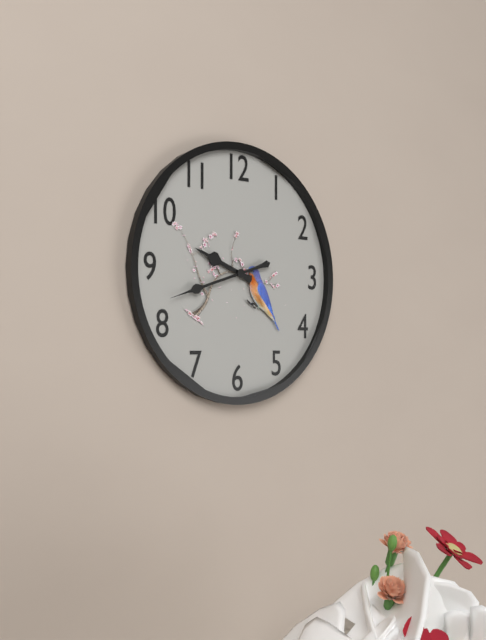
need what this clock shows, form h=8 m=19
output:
h=9 m=42
